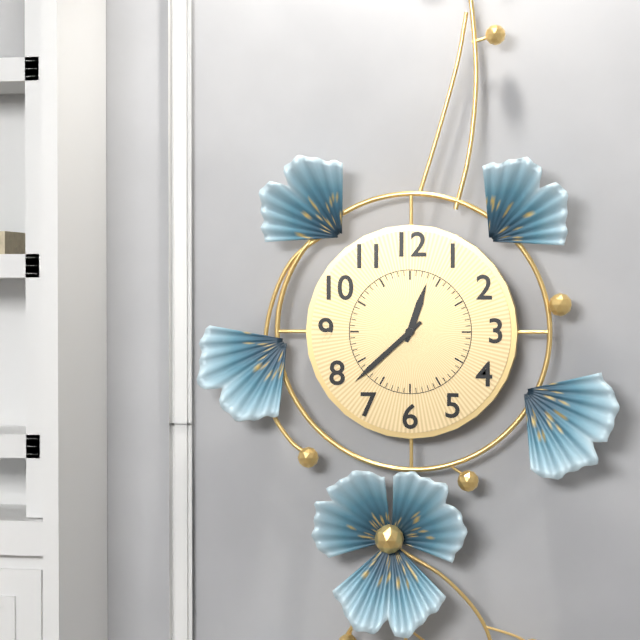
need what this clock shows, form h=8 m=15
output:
h=12 m=38
